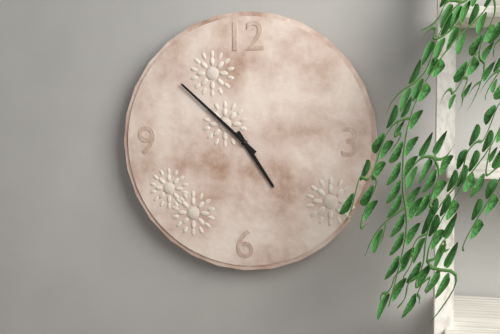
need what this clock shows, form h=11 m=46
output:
h=4 m=52
